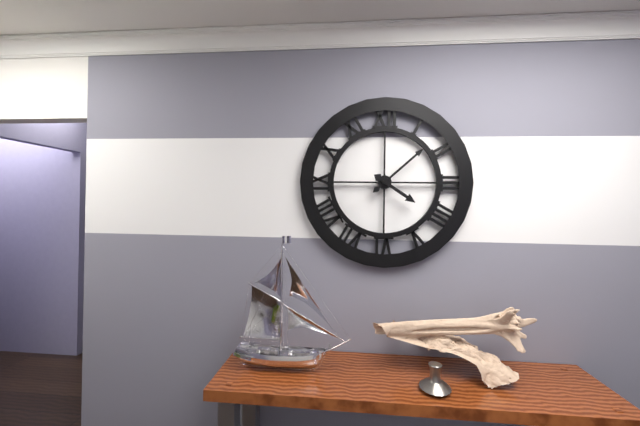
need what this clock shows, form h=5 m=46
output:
h=4 m=8
